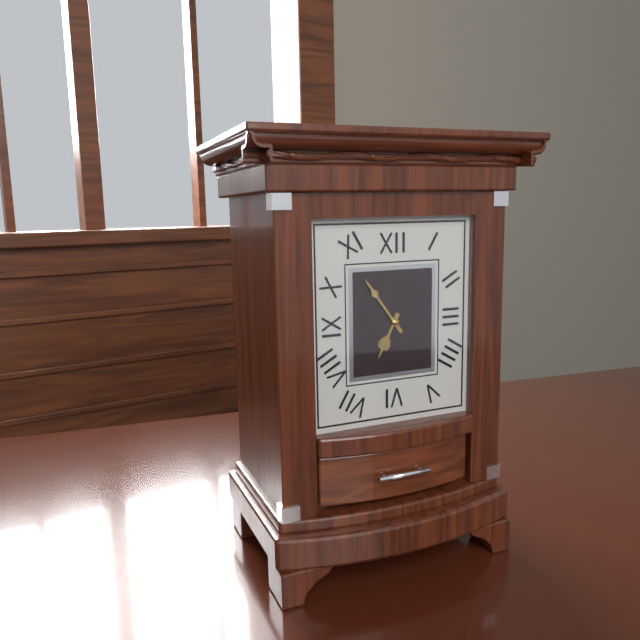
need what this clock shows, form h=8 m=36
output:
h=6 m=54
